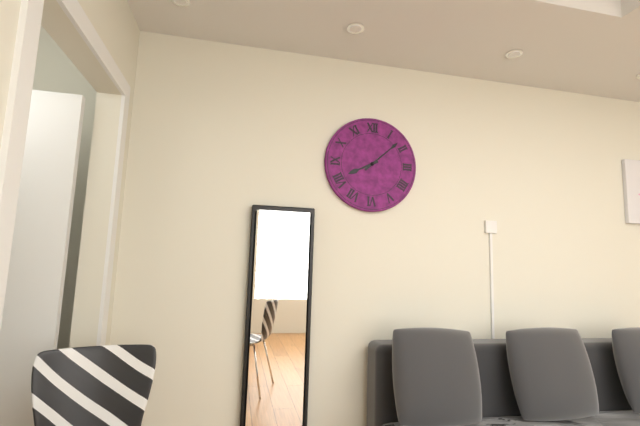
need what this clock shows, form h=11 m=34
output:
h=8 m=8
